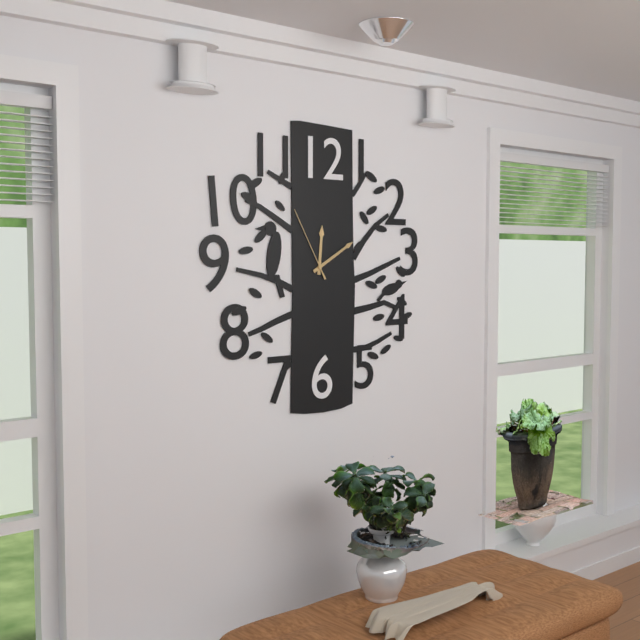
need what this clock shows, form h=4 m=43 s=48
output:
h=12 m=10 s=55
